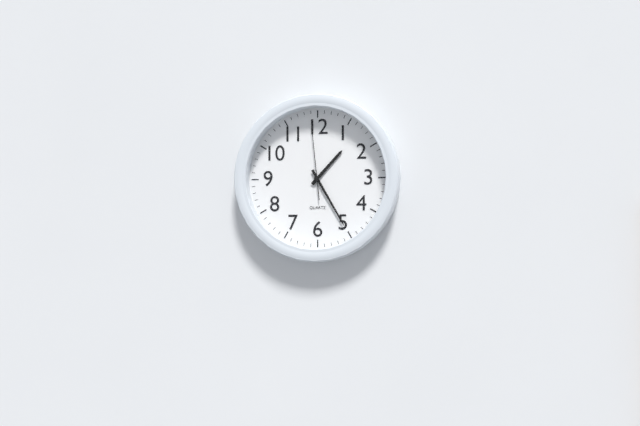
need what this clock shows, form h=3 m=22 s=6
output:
h=1 m=25 s=59
